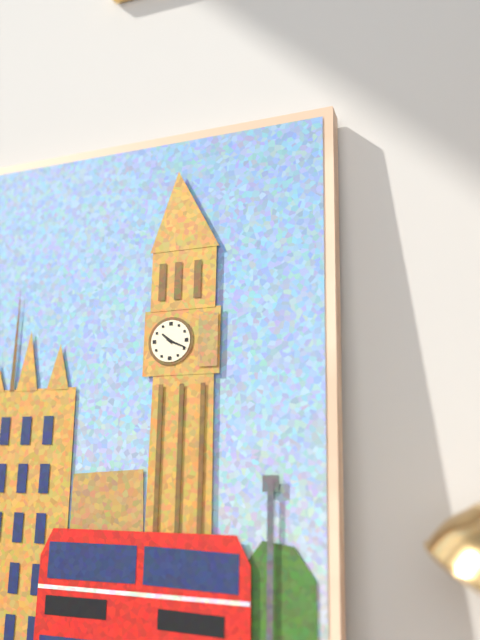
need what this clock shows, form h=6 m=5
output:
h=10 m=19
